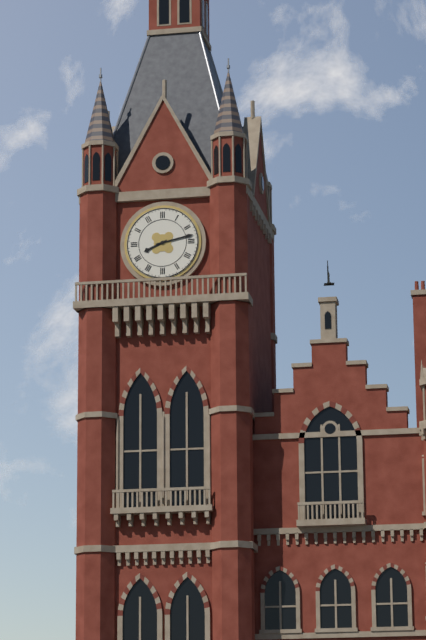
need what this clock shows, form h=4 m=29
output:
h=8 m=13
